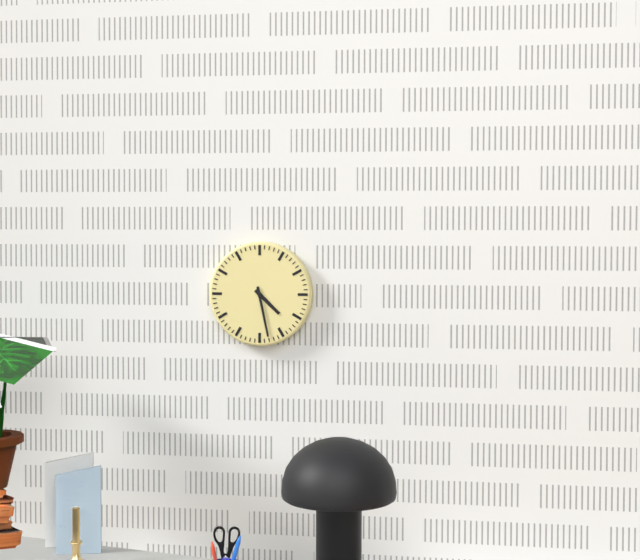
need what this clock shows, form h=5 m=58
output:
h=4 m=28
